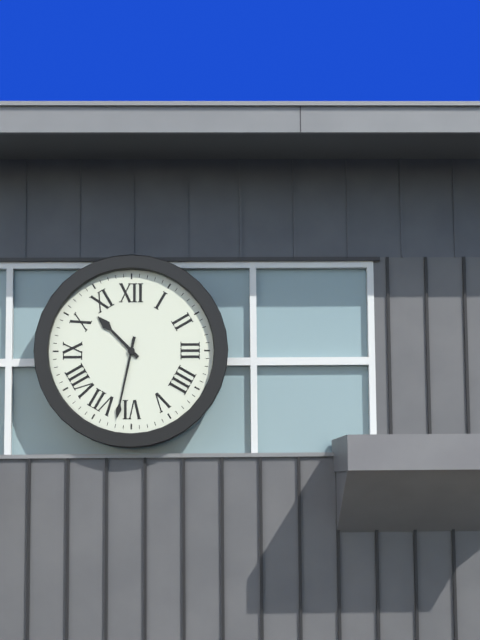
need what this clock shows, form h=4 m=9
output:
h=10 m=32
